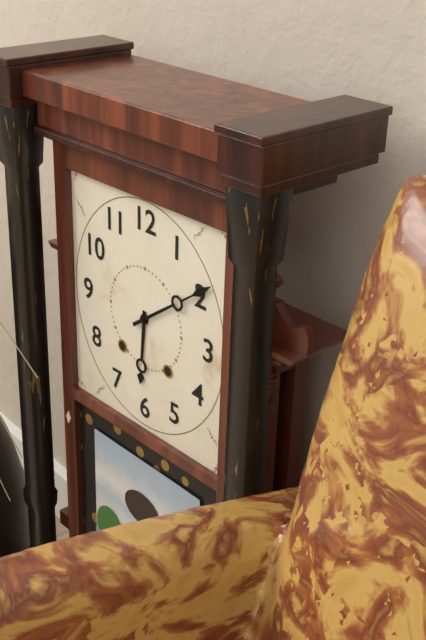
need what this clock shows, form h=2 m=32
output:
h=6 m=9
